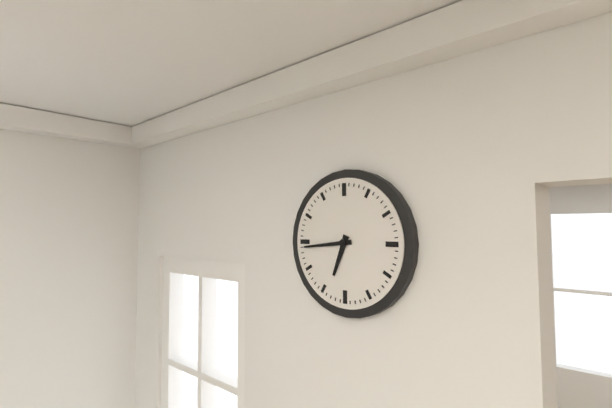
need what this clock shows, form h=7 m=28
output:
h=6 m=44
